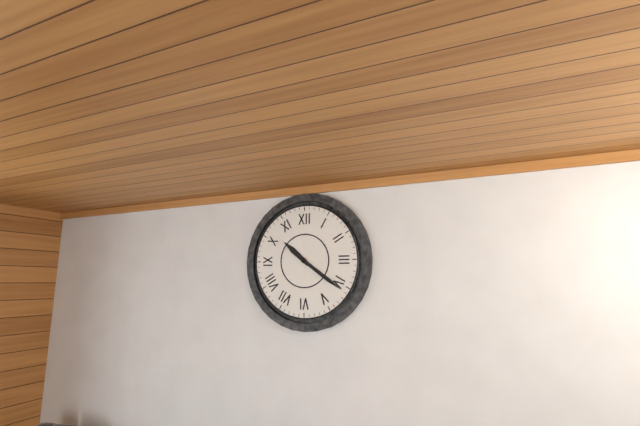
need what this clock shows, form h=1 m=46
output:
h=10 m=21
